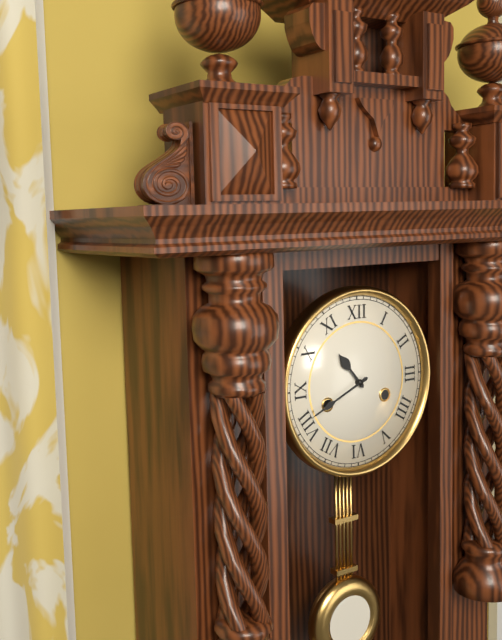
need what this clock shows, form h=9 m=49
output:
h=10 m=41
